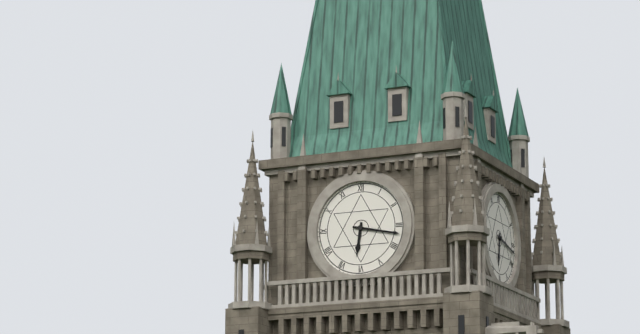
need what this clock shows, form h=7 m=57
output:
h=6 m=17
